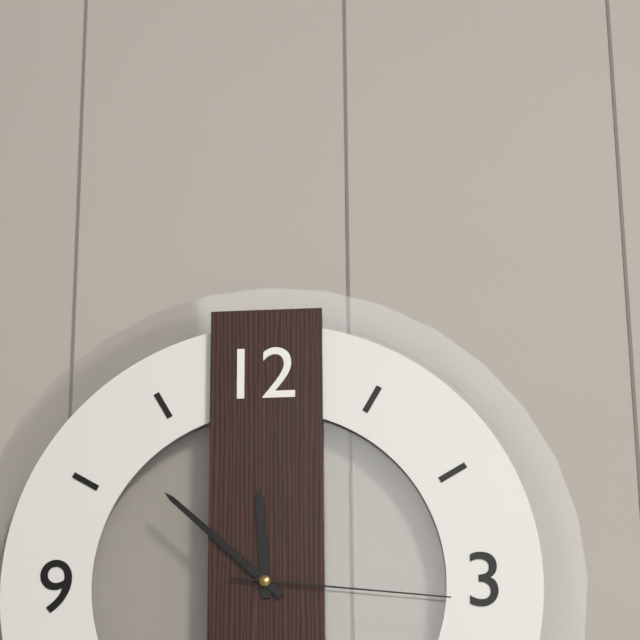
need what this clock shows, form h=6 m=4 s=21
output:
h=11 m=52 s=16
